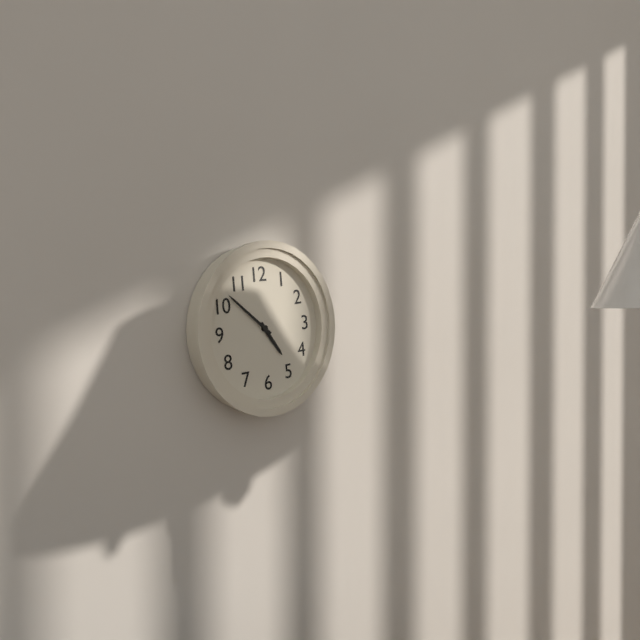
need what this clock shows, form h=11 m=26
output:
h=4 m=52
